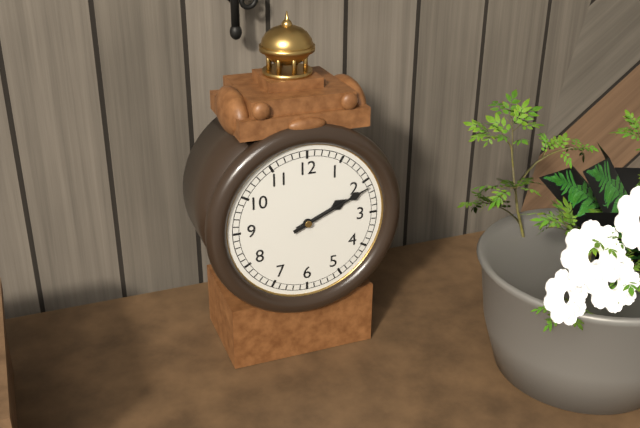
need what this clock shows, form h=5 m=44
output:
h=2 m=11
